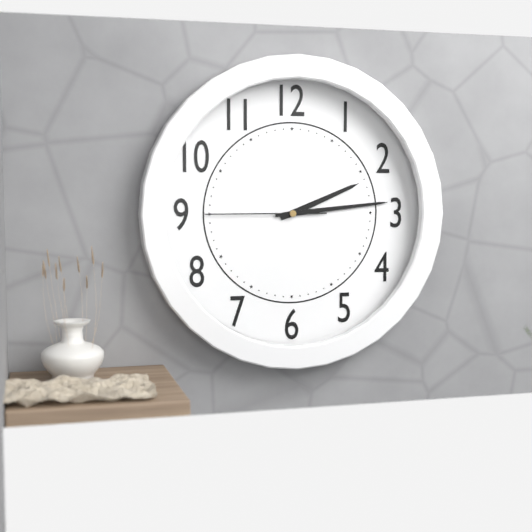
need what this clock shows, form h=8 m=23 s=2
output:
h=2 m=14 s=45
